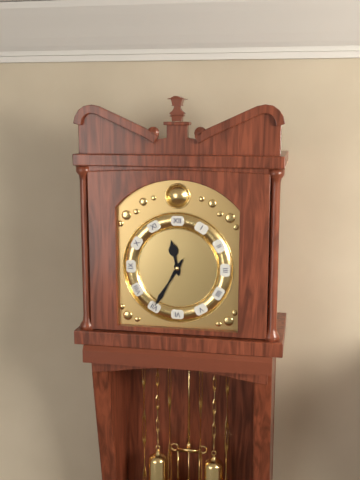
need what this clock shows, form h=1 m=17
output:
h=11 m=35
